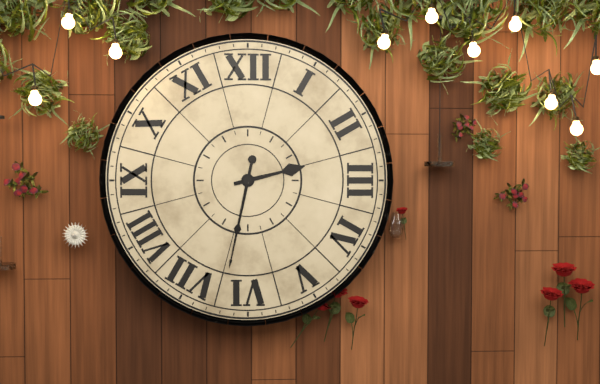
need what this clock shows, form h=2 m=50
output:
h=2 m=32
